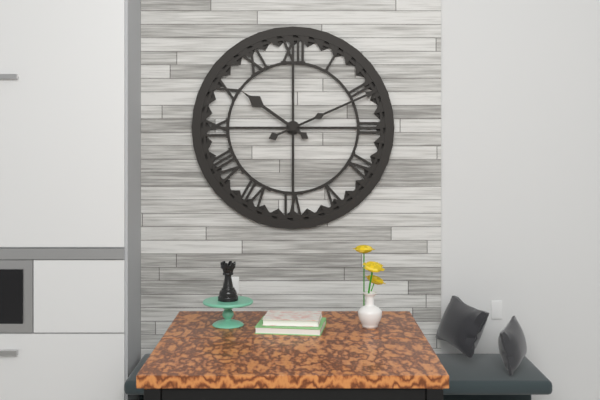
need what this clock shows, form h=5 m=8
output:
h=10 m=11
